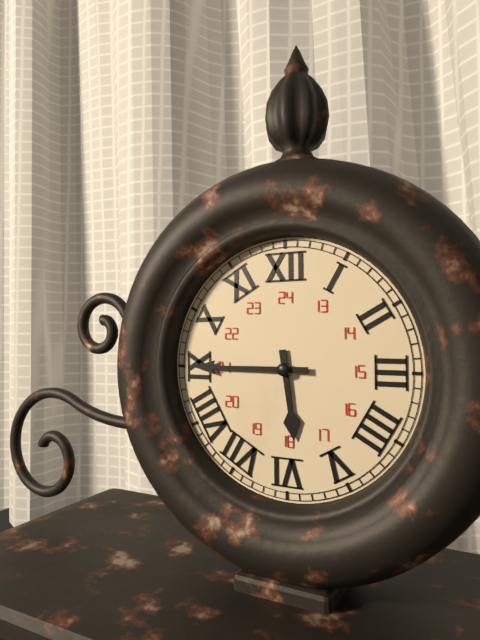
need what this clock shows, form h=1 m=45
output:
h=5 m=45
